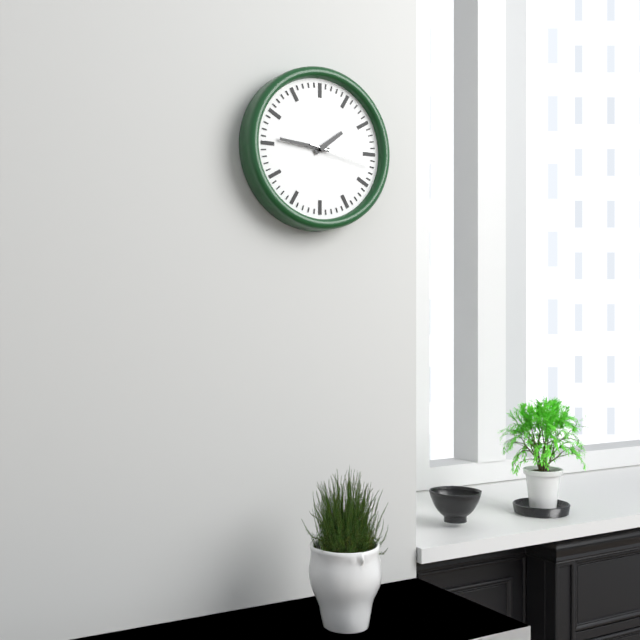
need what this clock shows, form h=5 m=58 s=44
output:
h=1 m=46 s=17
